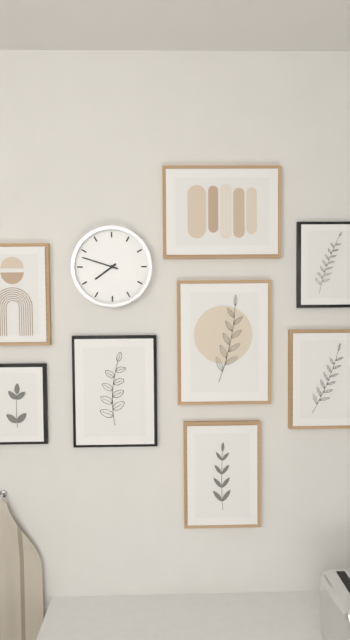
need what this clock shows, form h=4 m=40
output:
h=7 m=48
